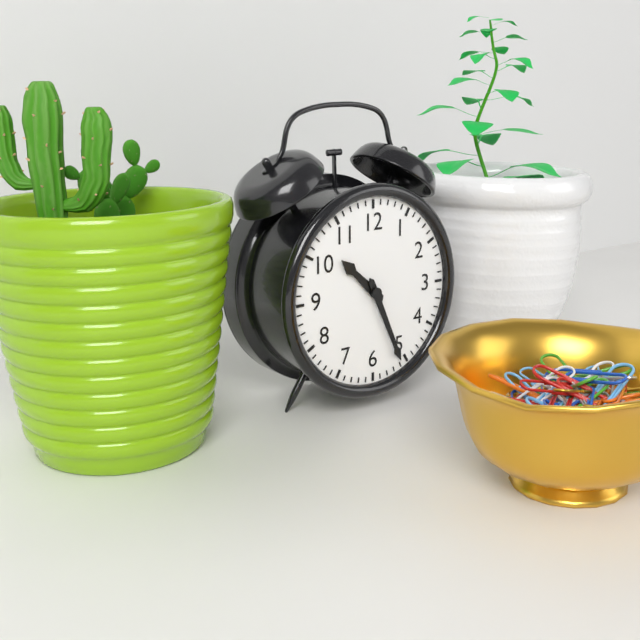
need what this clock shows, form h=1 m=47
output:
h=10 m=26
